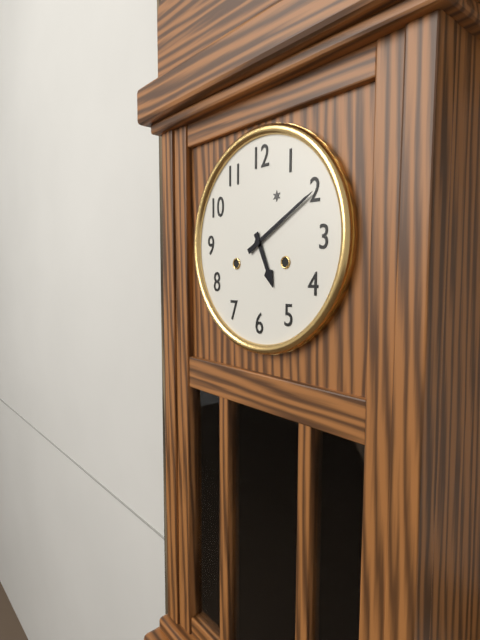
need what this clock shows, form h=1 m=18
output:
h=5 m=10
